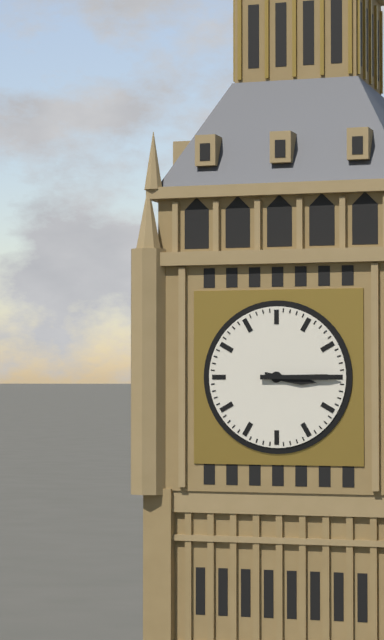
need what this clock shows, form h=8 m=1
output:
h=3 m=15
